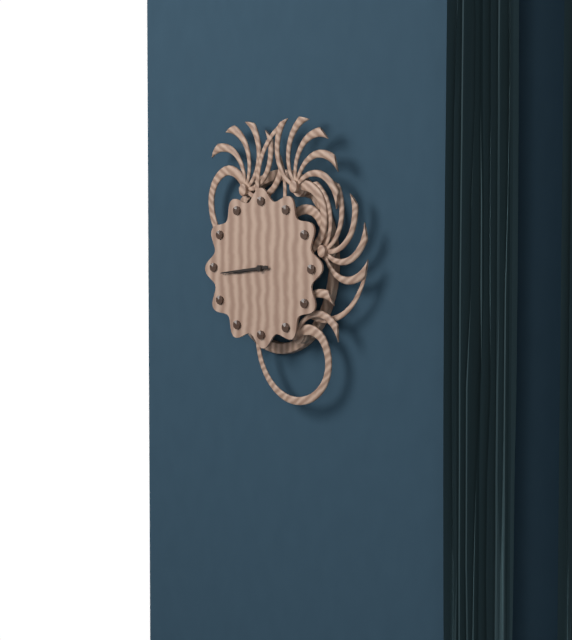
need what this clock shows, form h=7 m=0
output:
h=8 m=44
